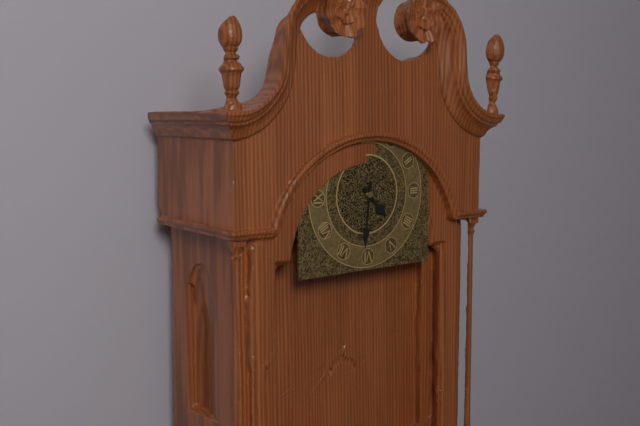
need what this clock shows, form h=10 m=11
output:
h=4 m=31
